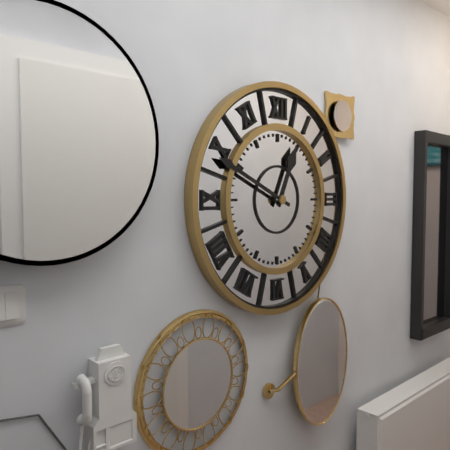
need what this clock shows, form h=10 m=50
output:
h=12 m=49
